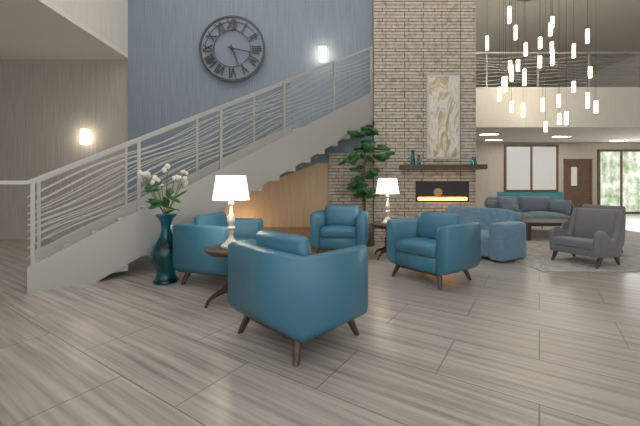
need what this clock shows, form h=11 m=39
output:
h=5 m=17
